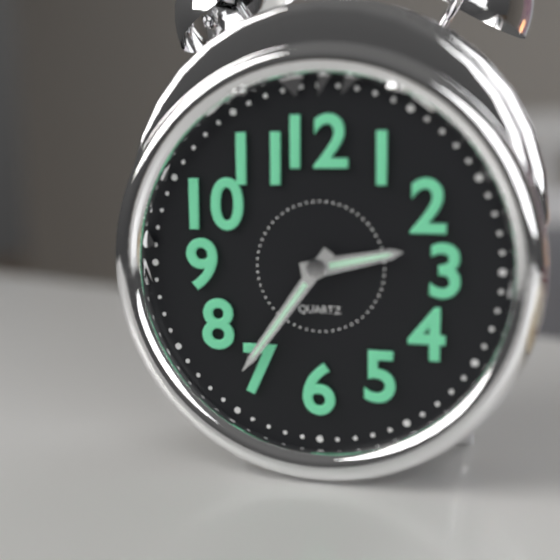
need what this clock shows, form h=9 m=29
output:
h=2 m=36
